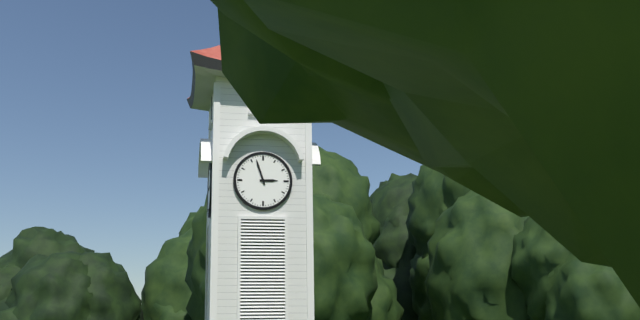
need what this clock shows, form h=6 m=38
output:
h=2 m=57
